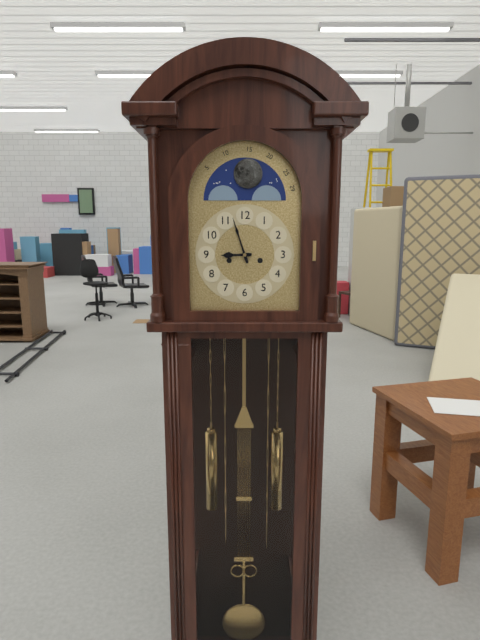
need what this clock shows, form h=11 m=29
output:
h=8 m=57
